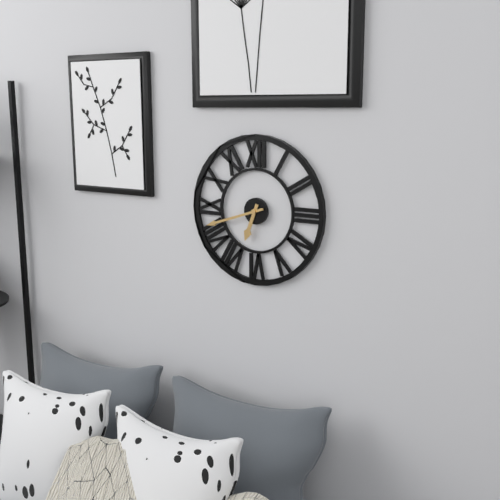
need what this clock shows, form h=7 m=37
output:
h=6 m=42
